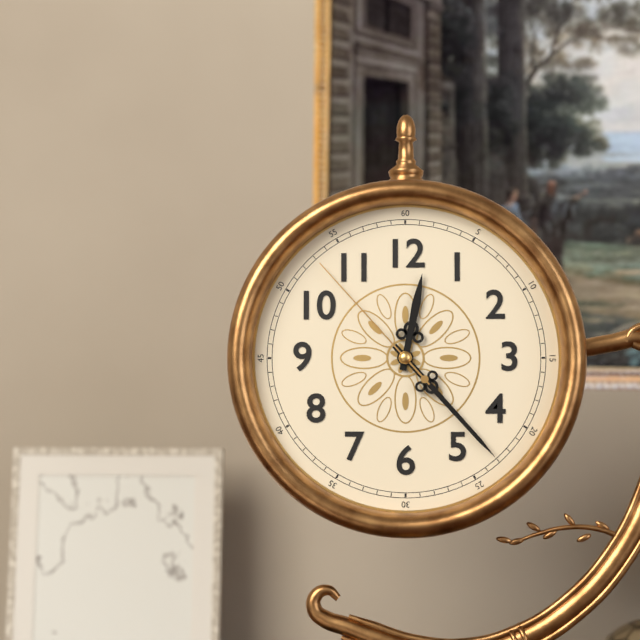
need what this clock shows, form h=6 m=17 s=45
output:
h=12 m=23 s=53
